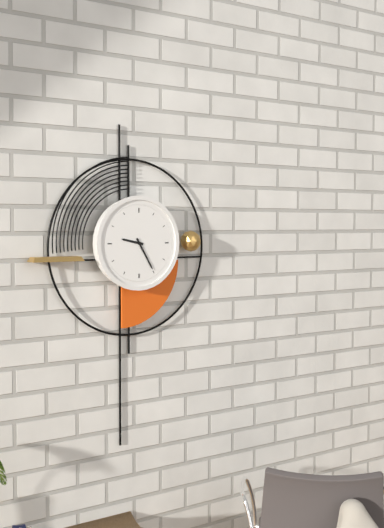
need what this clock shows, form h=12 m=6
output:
h=9 m=25
